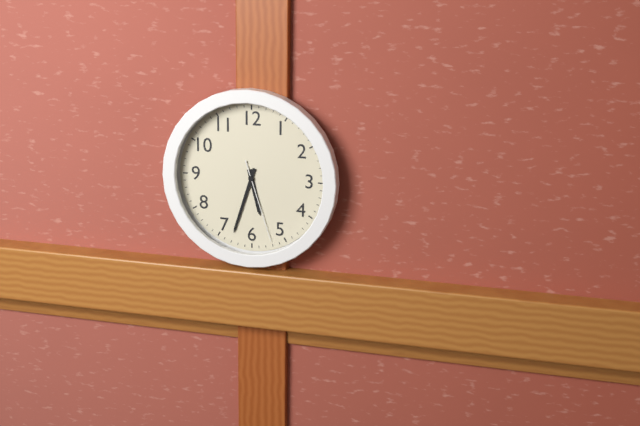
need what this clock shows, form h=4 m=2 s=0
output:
h=5 m=33 s=27
